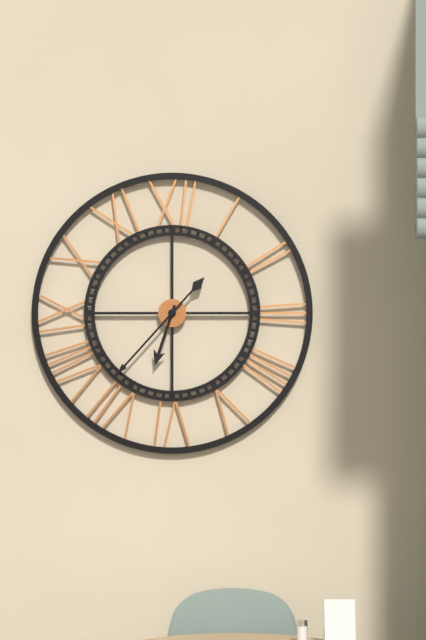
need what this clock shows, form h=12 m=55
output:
h=6 m=37
